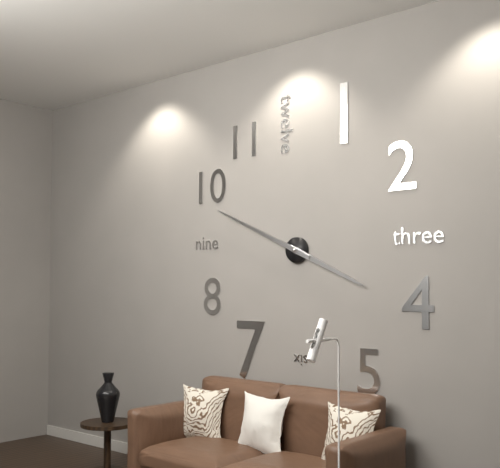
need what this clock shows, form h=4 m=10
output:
h=3 m=49
